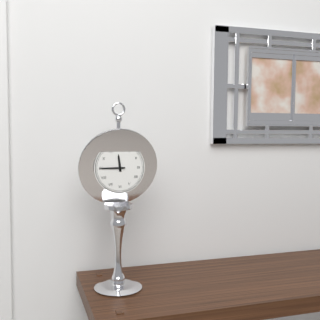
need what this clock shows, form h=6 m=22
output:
h=11 m=45
